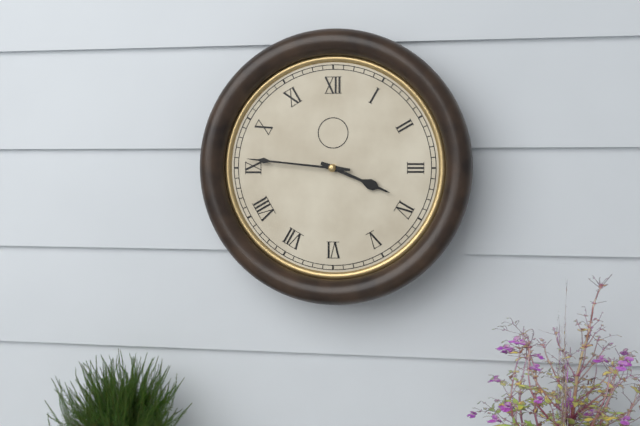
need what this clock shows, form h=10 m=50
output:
h=3 m=46
